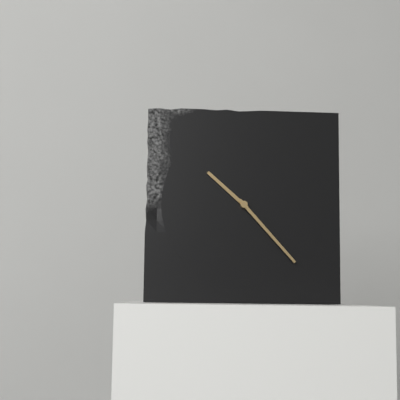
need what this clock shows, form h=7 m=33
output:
h=10 m=23
